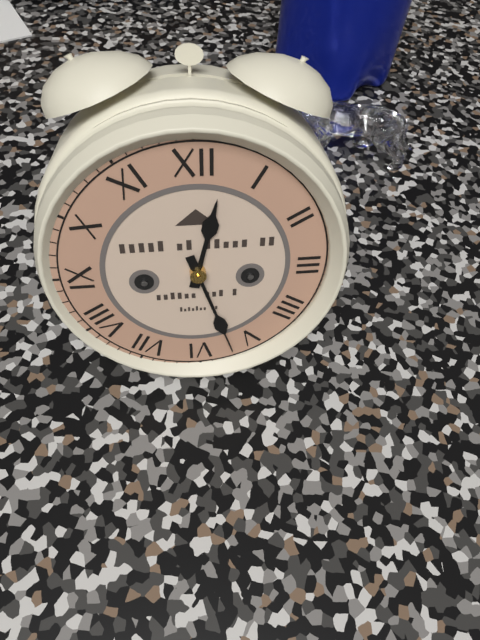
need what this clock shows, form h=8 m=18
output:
h=12 m=27
